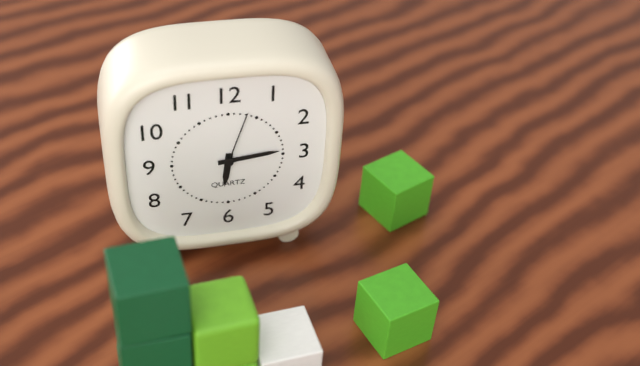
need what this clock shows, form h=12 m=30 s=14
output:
h=6 m=14 s=3
